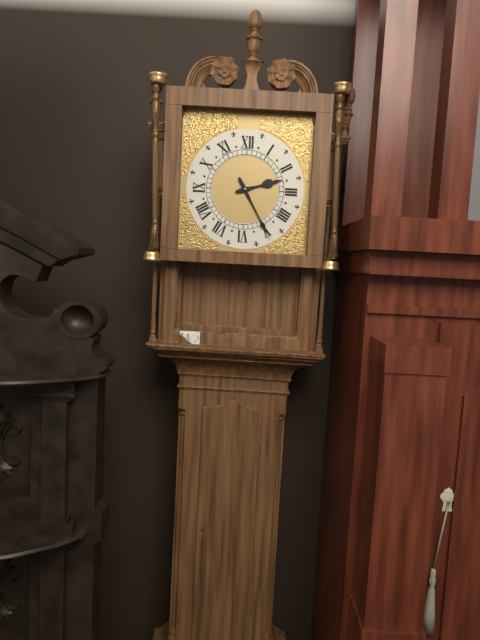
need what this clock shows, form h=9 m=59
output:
h=2 m=25
